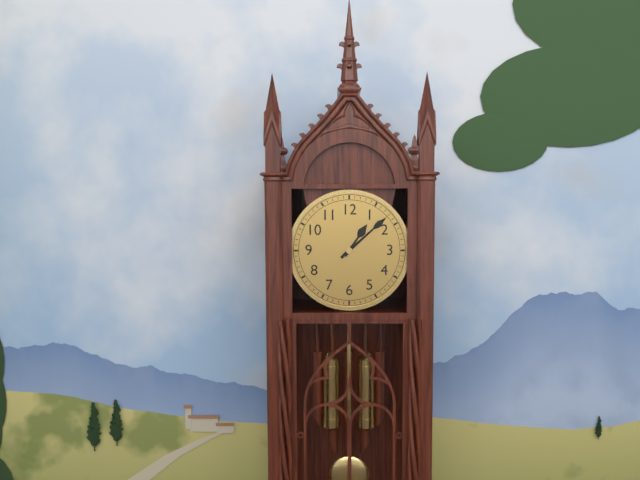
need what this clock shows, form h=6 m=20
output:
h=1 m=8
